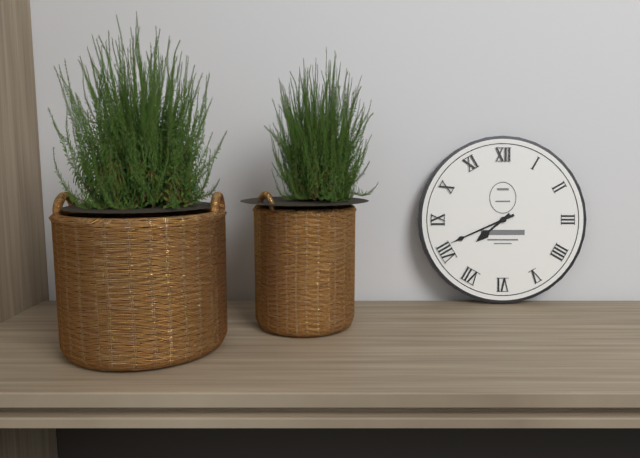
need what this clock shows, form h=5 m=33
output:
h=7 m=41
